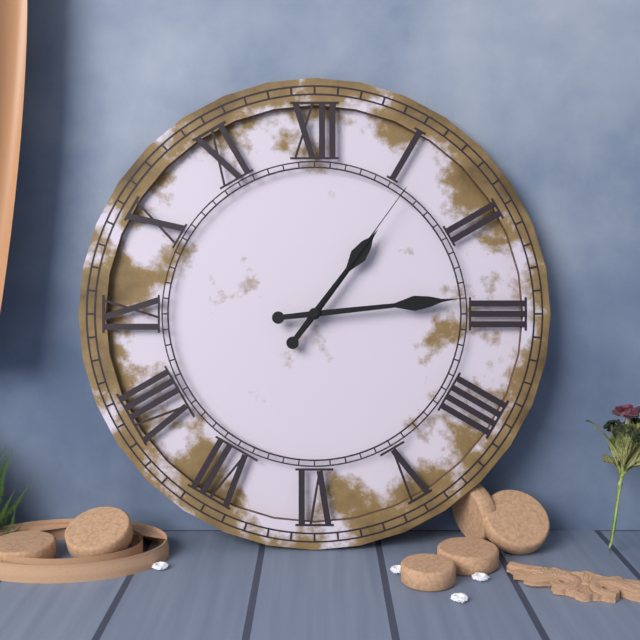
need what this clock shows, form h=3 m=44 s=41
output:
h=1 m=14 s=6
